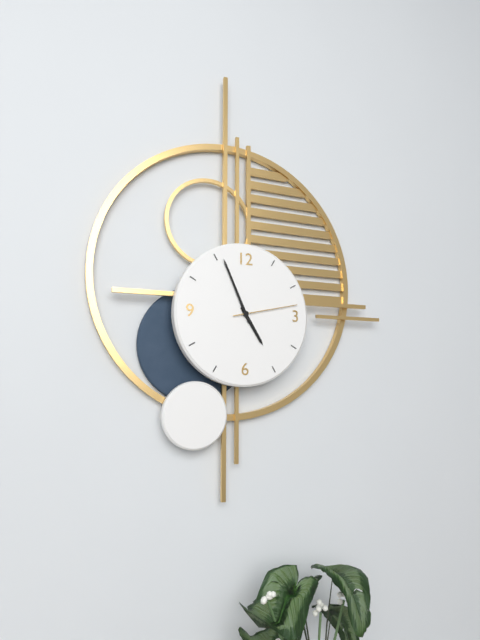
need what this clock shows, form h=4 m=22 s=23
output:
h=4 m=56 s=13
